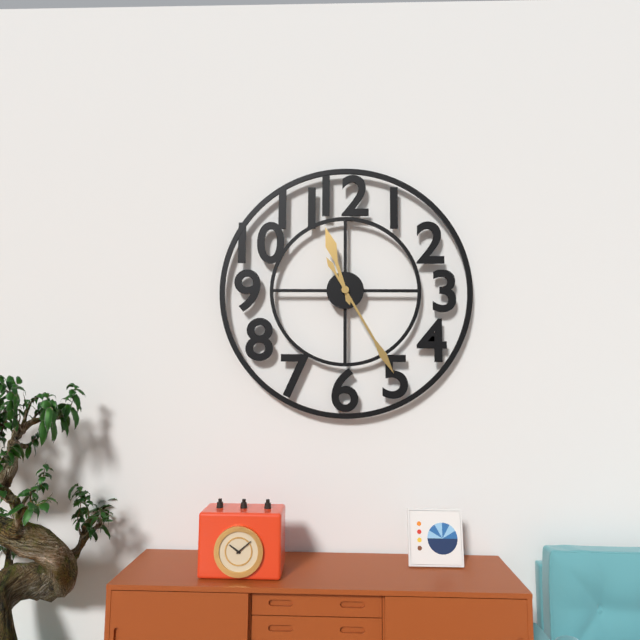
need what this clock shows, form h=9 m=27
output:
h=11 m=25
